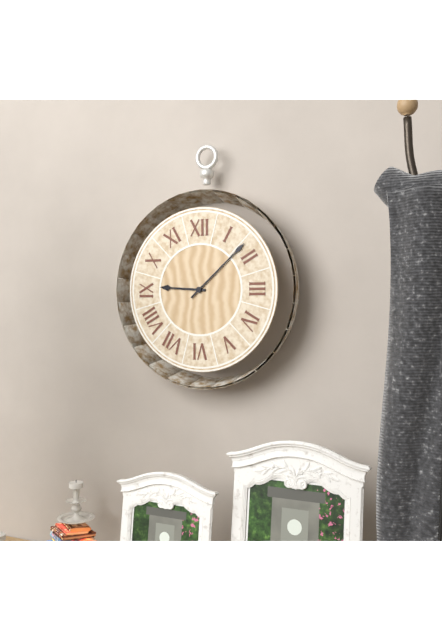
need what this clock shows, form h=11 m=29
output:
h=9 m=8
